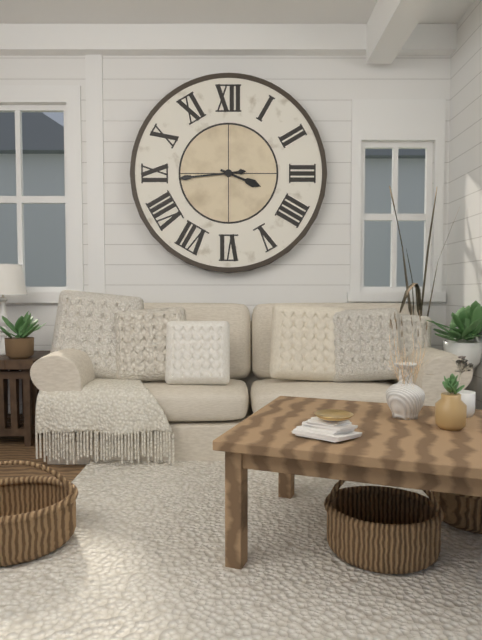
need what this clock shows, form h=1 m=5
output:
h=3 m=44
